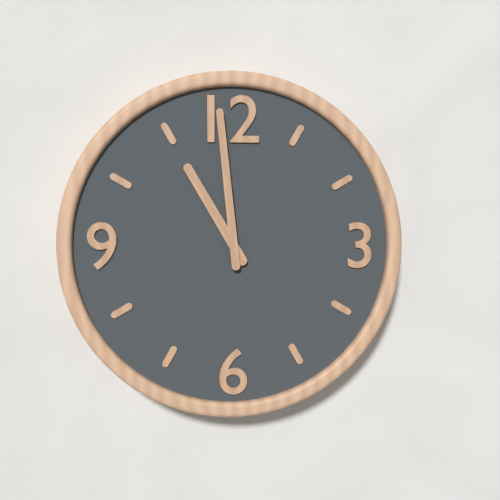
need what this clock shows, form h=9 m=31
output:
h=10 m=59
